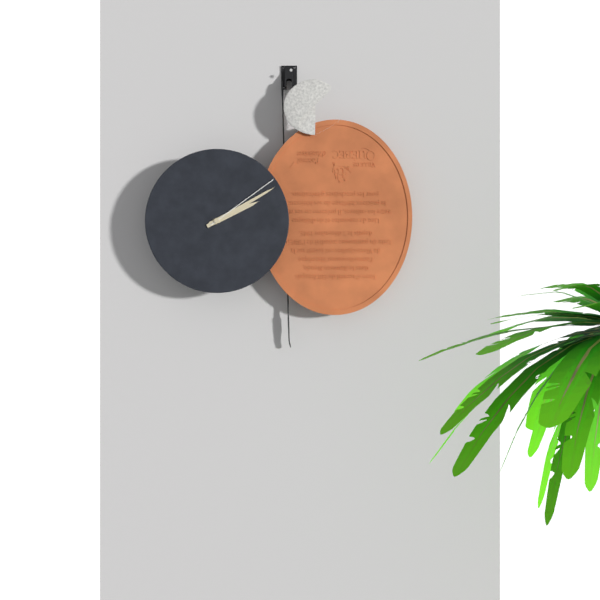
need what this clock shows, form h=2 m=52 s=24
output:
h=2 m=10 s=9
